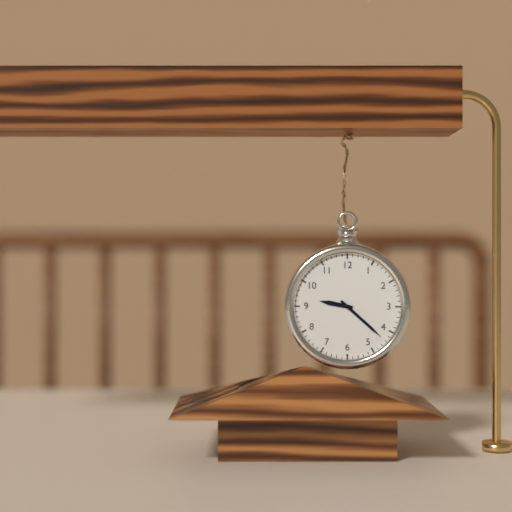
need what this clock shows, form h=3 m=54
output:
h=9 m=22
